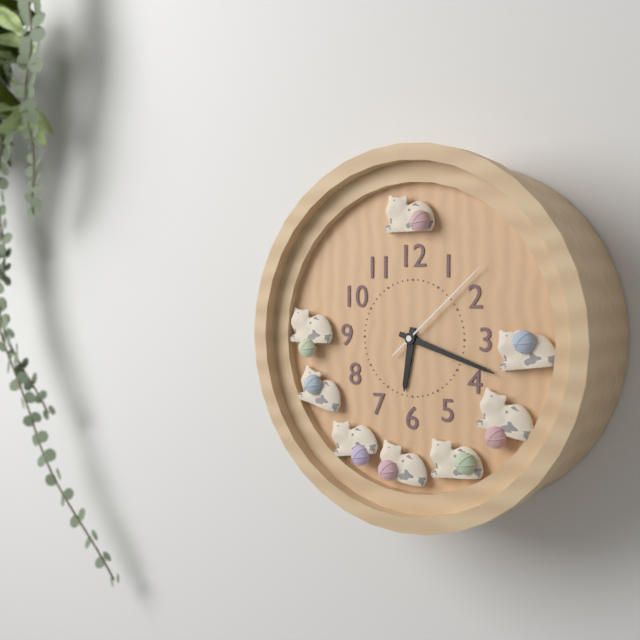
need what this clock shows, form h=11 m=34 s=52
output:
h=6 m=18 s=8
